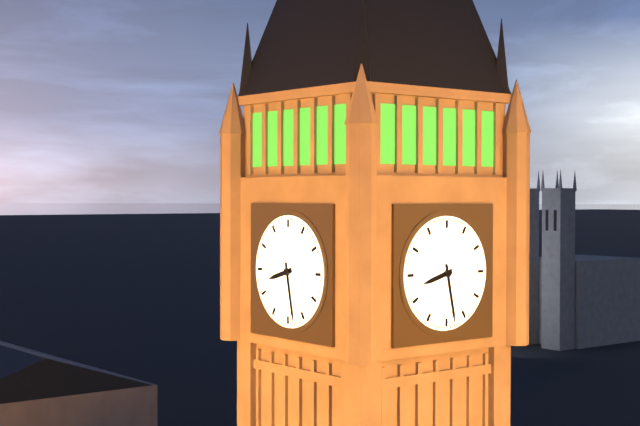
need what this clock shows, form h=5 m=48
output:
h=8 m=28
